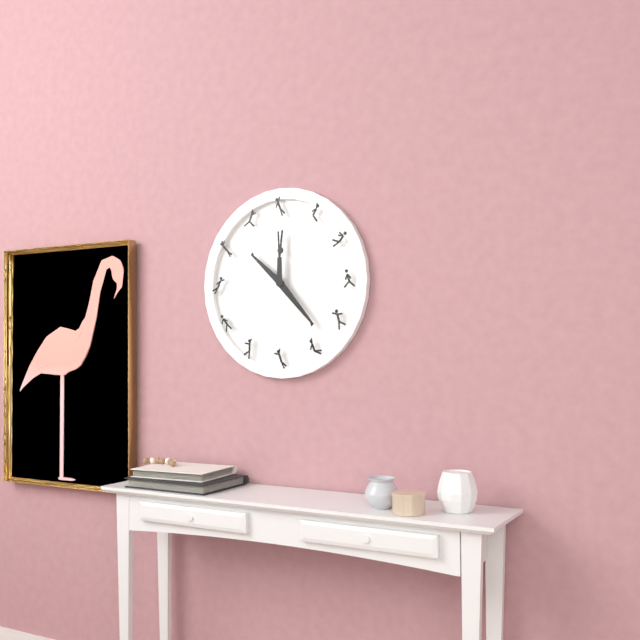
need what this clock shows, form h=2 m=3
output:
h=10 m=23
